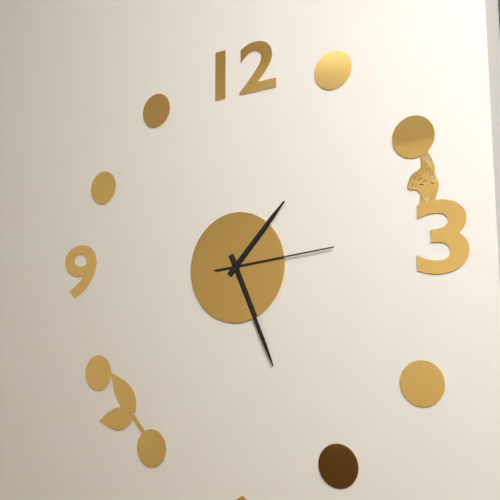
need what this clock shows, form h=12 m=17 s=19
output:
h=1 m=26 s=14
